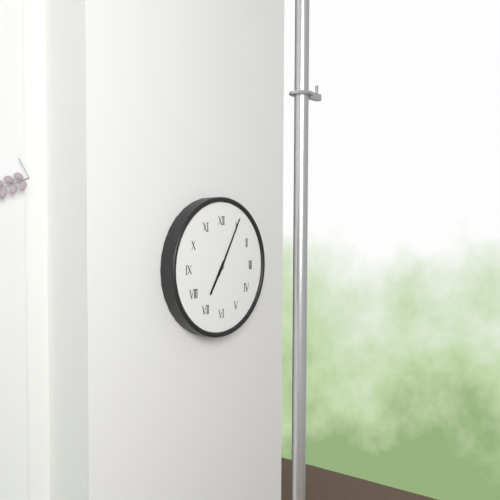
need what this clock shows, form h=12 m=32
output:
h=7 m=5
